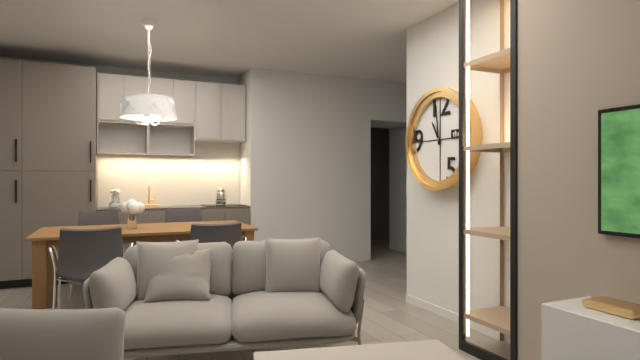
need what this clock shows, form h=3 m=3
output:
h=10 m=59
